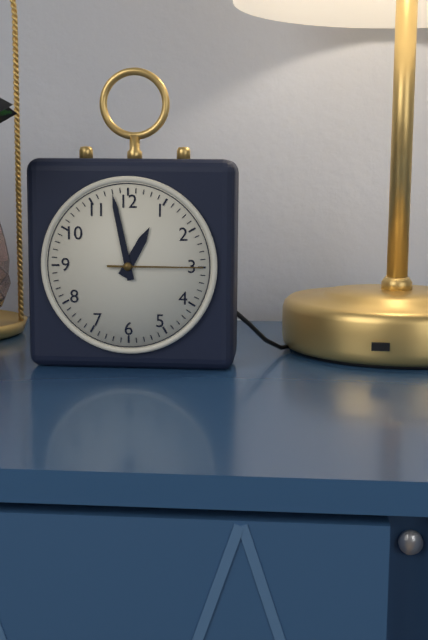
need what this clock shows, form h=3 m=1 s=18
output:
h=12 m=58 s=15
